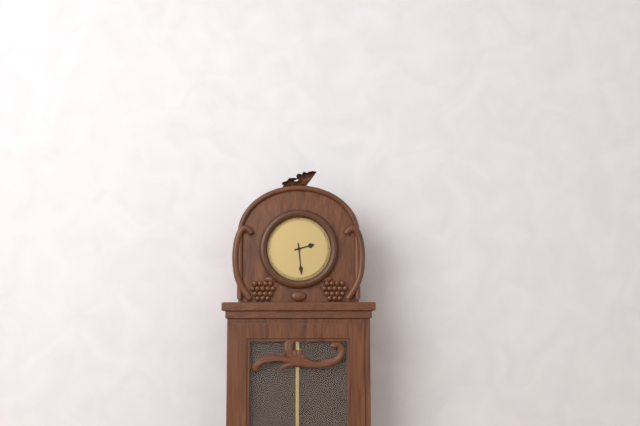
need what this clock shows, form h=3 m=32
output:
h=2 m=29
